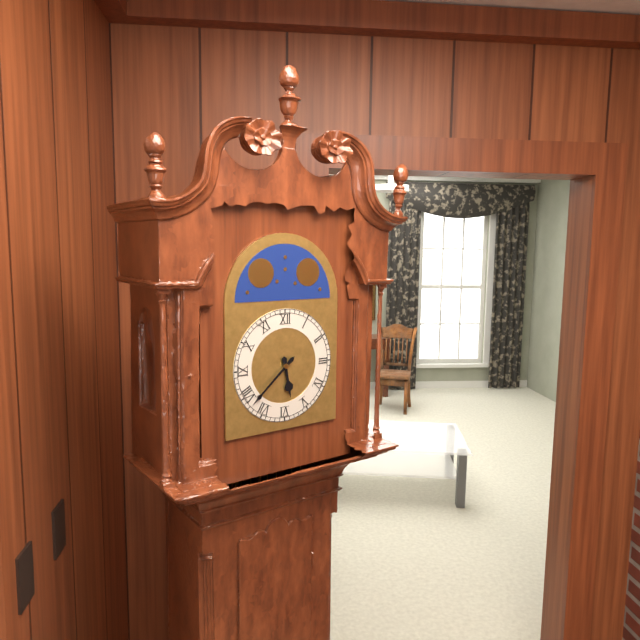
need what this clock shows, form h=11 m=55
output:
h=5 m=38
